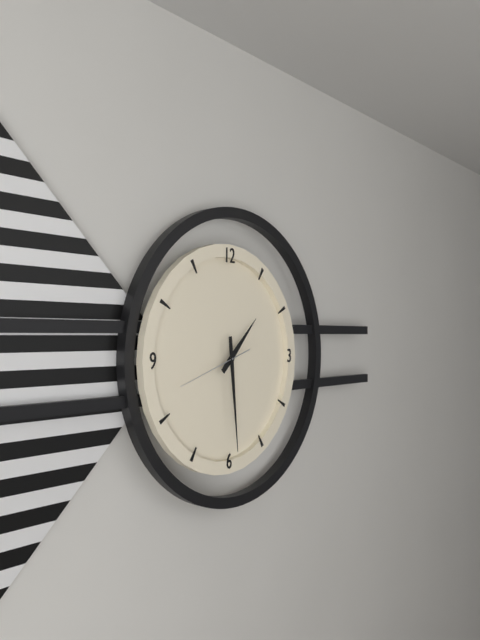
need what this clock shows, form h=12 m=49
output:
h=1 m=29
